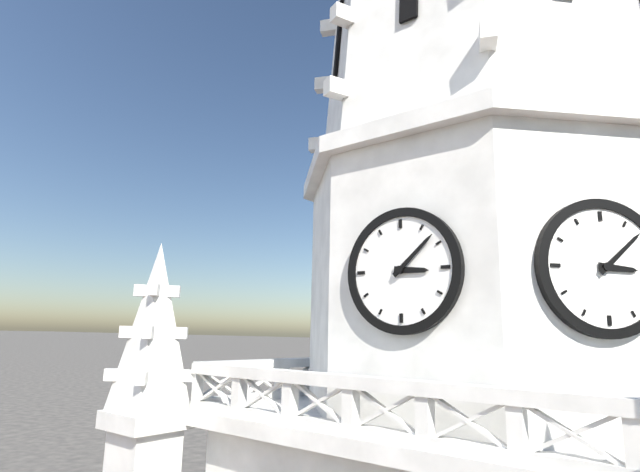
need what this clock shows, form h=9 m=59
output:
h=3 m=8
